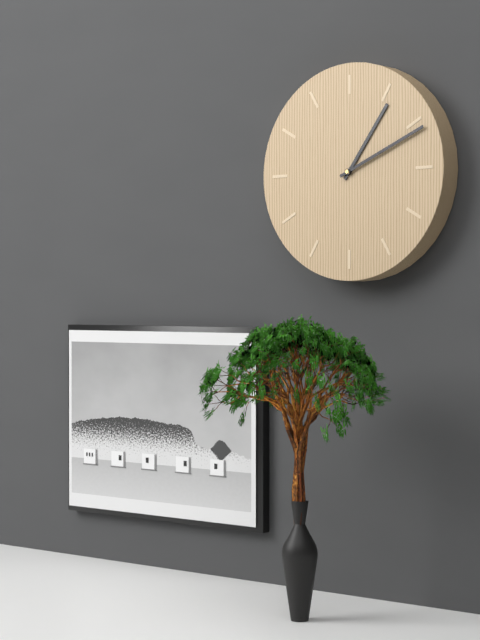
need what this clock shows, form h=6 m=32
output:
h=1 m=11
